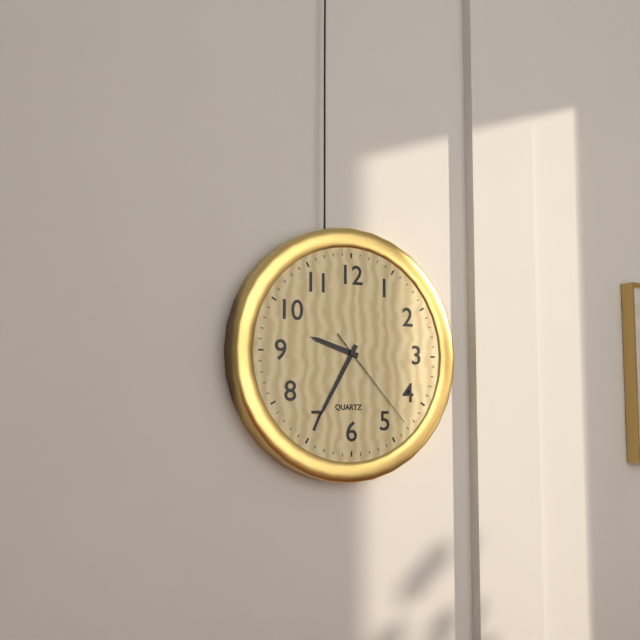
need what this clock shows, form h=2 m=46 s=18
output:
h=9 m=35 s=23
